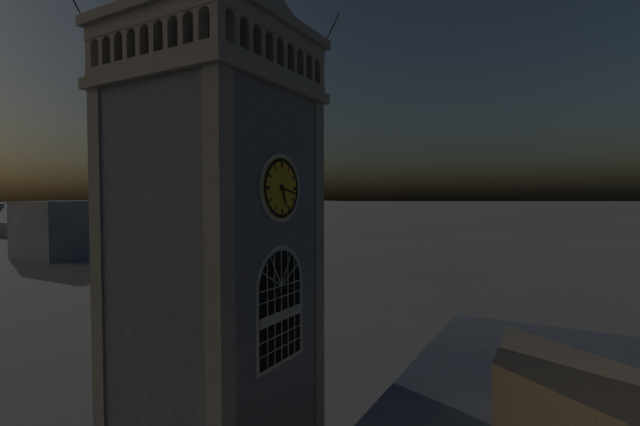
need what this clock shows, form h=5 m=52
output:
h=5 m=17
